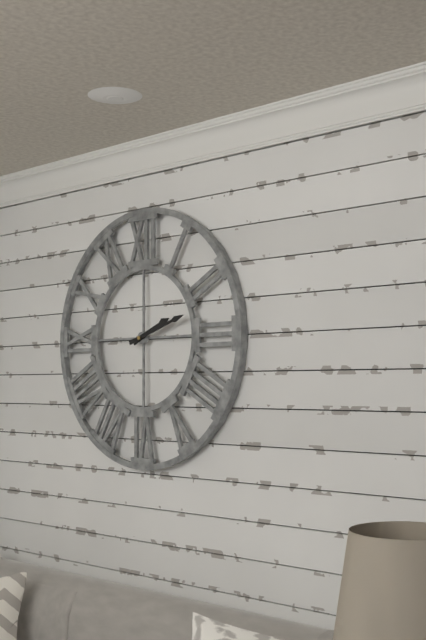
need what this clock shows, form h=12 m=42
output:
h=2 m=12
